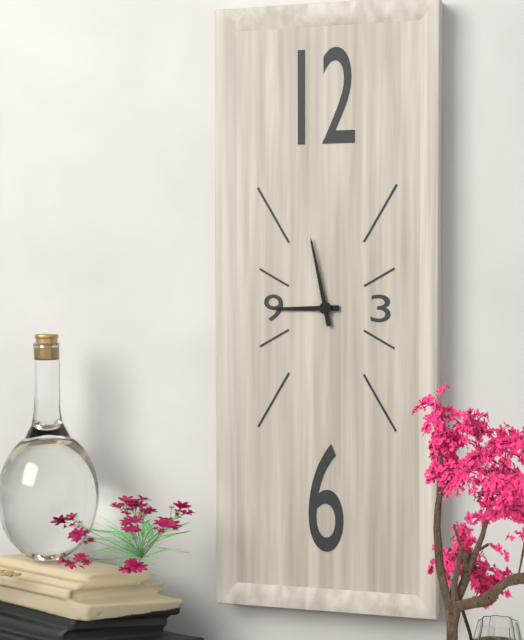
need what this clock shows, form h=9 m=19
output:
h=8 m=58
